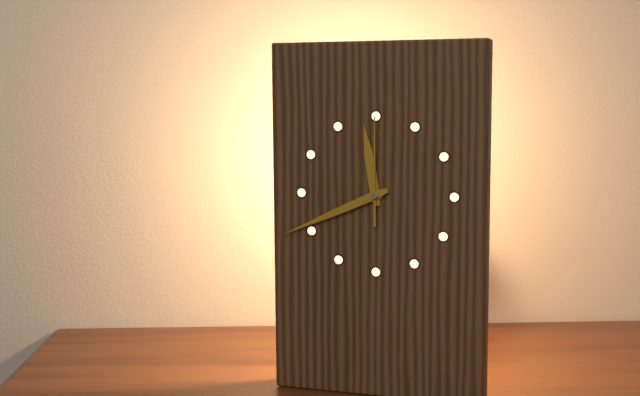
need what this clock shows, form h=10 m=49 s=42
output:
h=11 m=41 s=0
